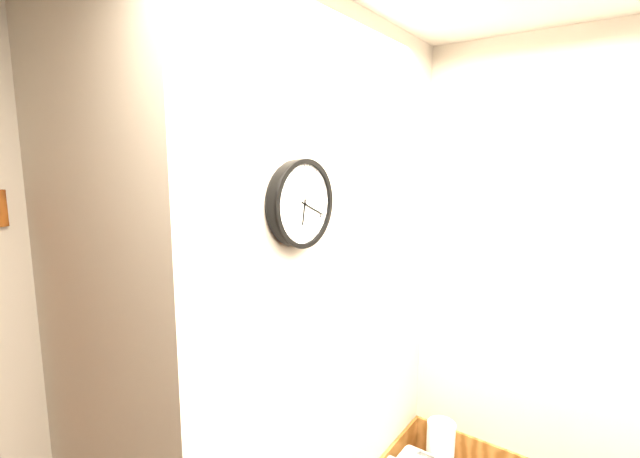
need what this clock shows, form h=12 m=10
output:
h=6 m=19
